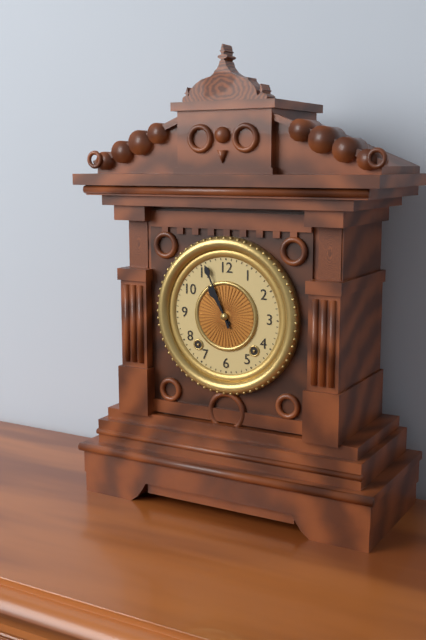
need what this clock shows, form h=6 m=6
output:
h=10 m=56
